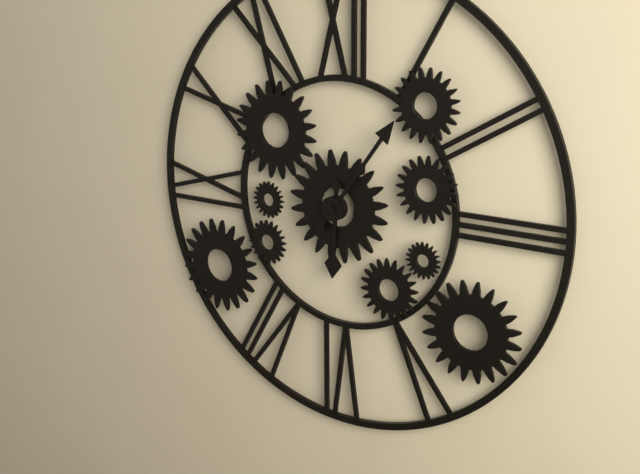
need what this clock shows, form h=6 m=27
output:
h=6 m=6
